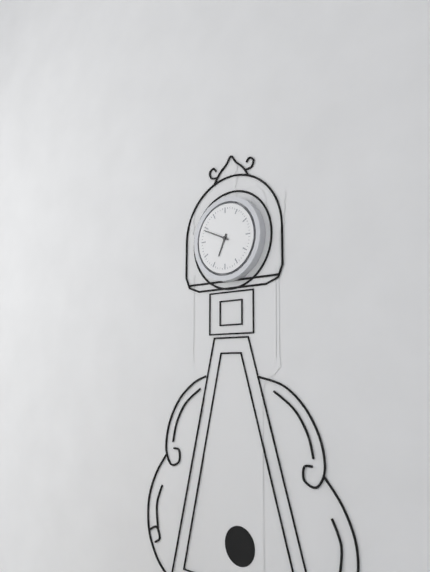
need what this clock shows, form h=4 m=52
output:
h=6 m=49
